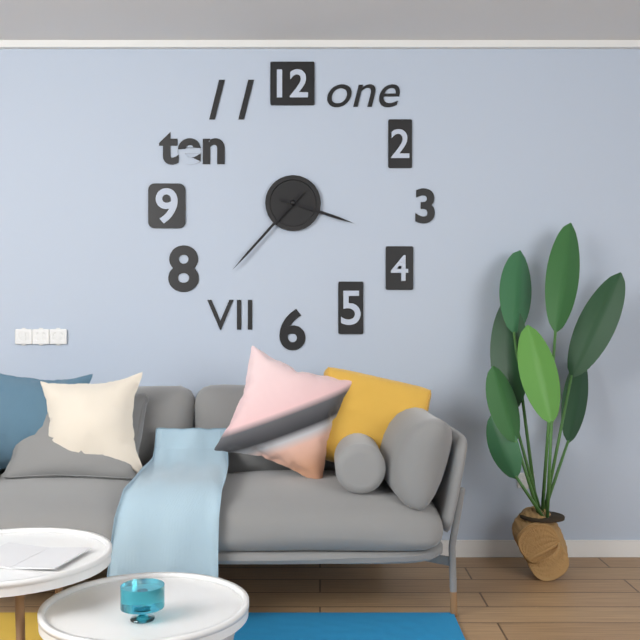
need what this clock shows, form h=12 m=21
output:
h=3 m=37
